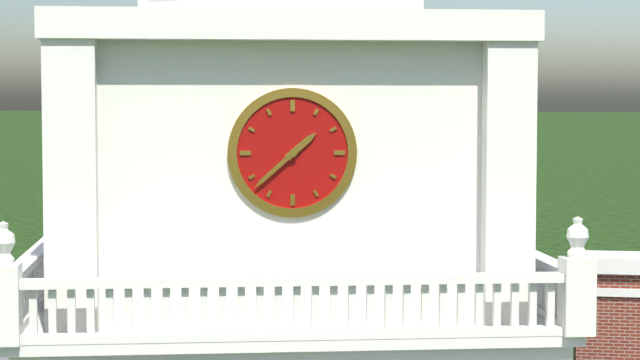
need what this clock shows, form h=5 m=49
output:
h=1 m=38
